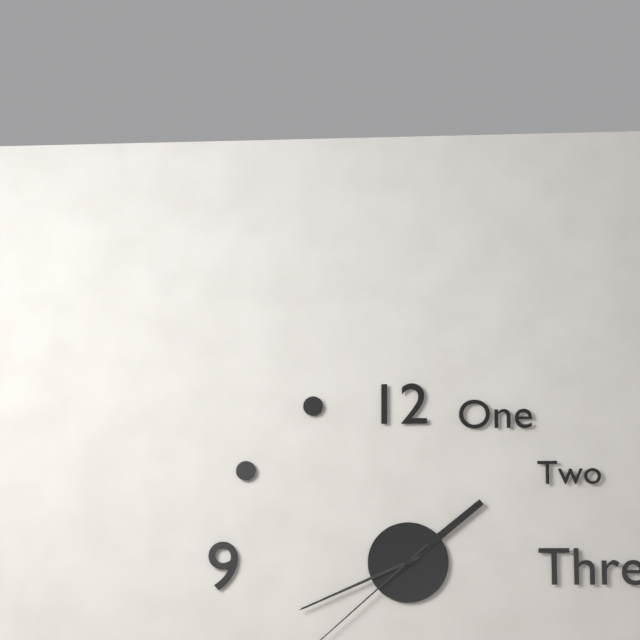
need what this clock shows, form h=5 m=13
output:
h=1 m=41
